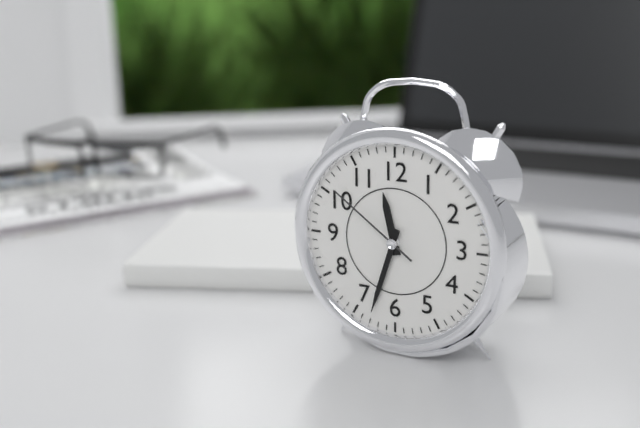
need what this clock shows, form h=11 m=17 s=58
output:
h=11 m=33 s=51
